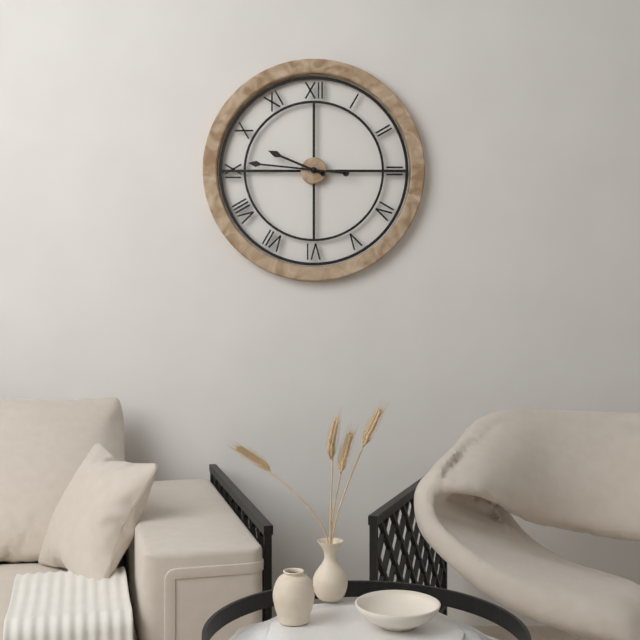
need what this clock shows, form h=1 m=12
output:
h=9 m=46
